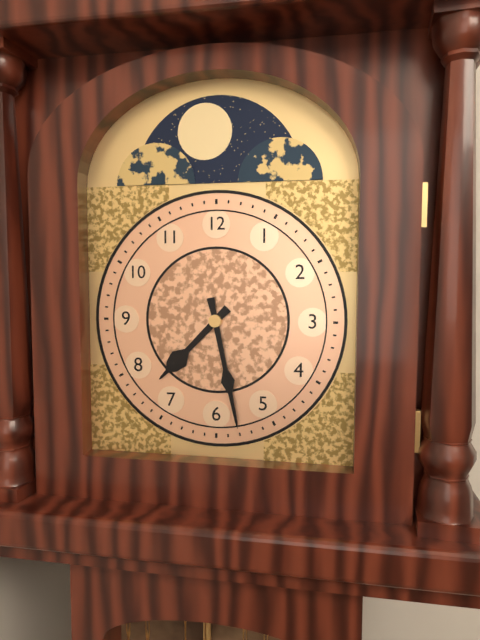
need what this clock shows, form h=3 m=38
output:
h=7 m=28
